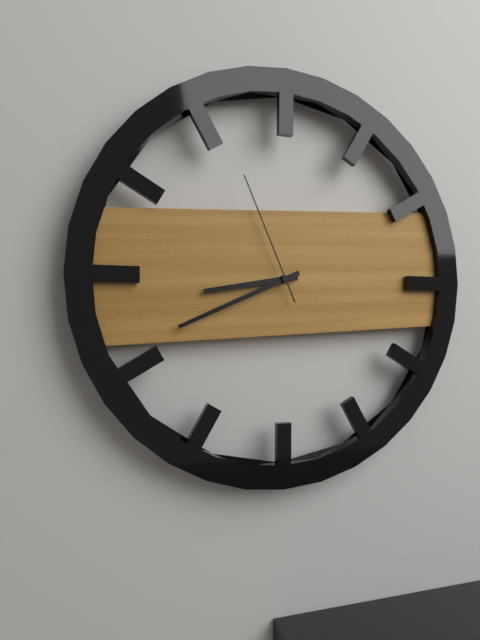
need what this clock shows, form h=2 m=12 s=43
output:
h=8 m=41 s=56
